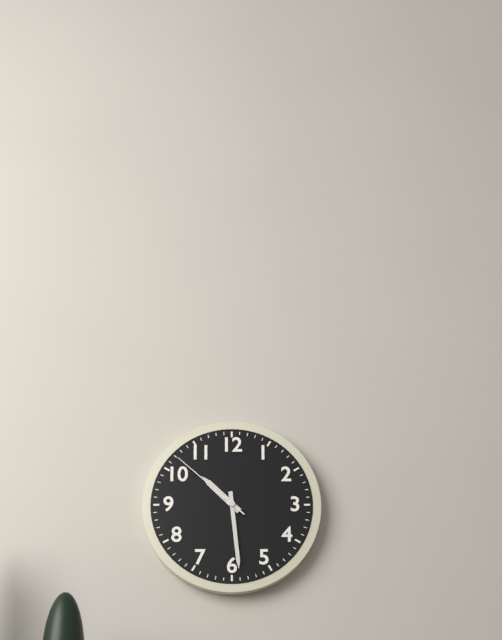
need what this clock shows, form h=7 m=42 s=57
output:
h=10 m=29 s=52
